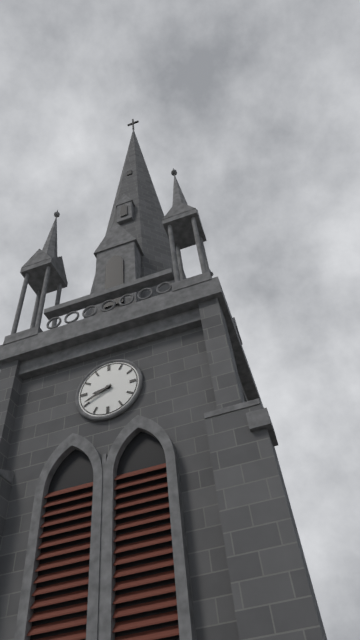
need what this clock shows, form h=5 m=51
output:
h=8 m=41
